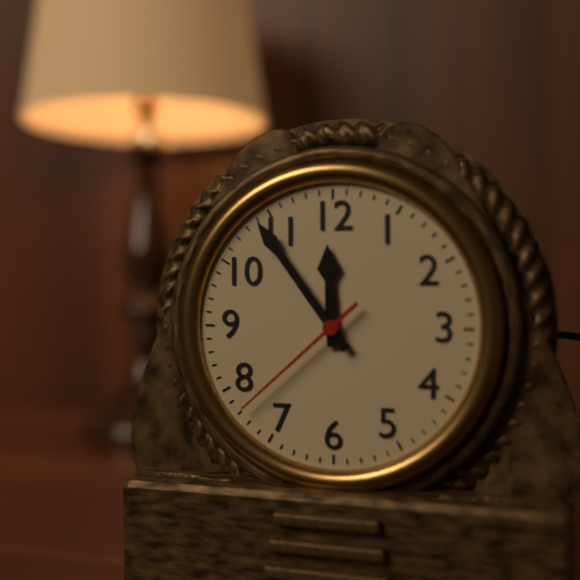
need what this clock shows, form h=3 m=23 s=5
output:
h=11 m=54 s=38
